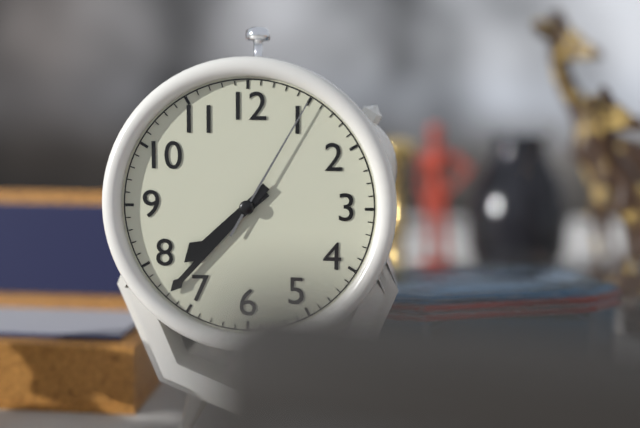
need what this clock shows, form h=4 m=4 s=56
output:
h=7 m=37 s=5
